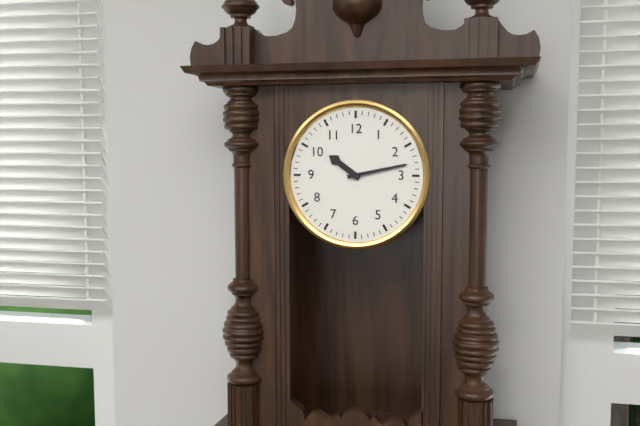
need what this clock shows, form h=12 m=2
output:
h=10 m=13
